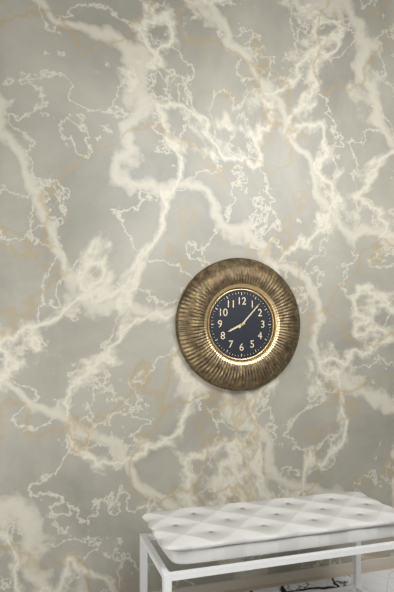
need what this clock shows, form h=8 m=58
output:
h=8 m=7
